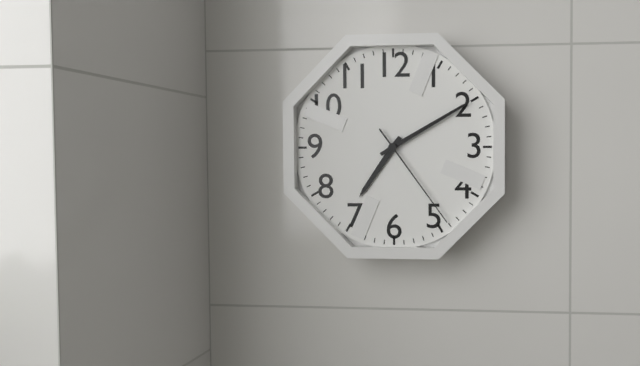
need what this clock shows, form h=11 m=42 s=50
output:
h=7 m=10 s=24
